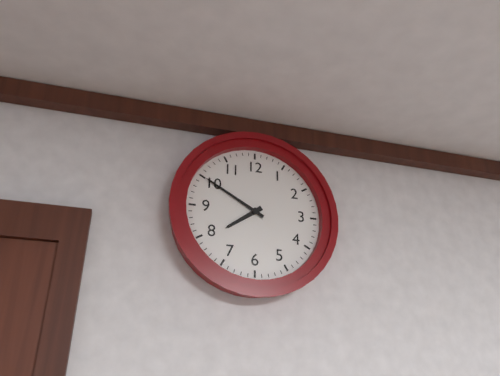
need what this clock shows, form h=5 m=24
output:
h=7 m=50
